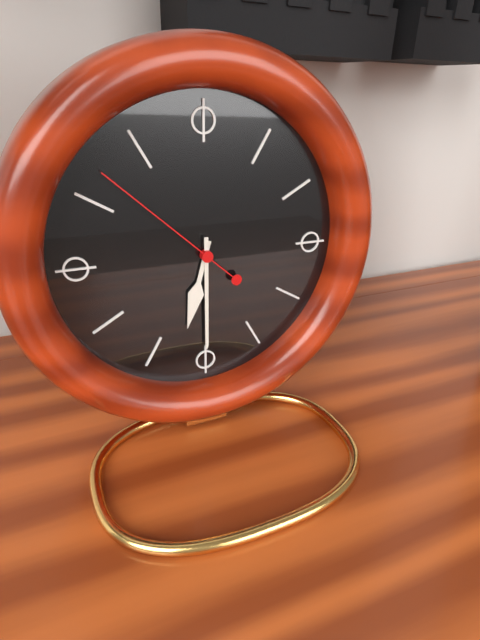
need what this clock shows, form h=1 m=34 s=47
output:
h=6 m=30 s=52
